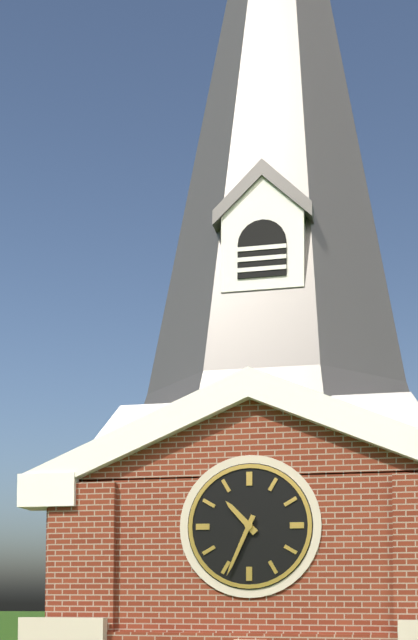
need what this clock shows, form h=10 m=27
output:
h=10 m=34
